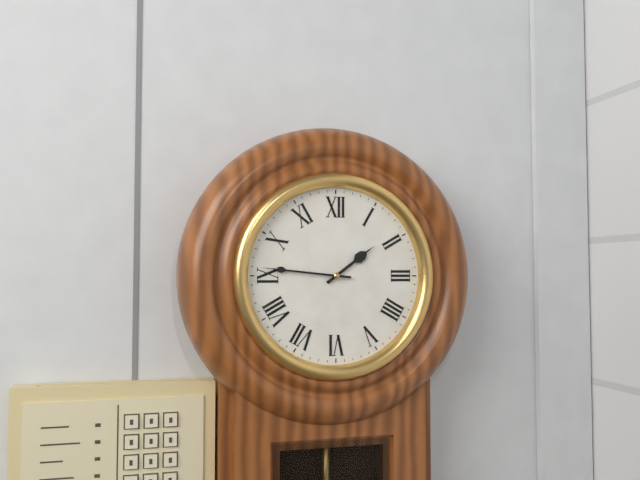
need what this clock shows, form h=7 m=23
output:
h=1 m=46
